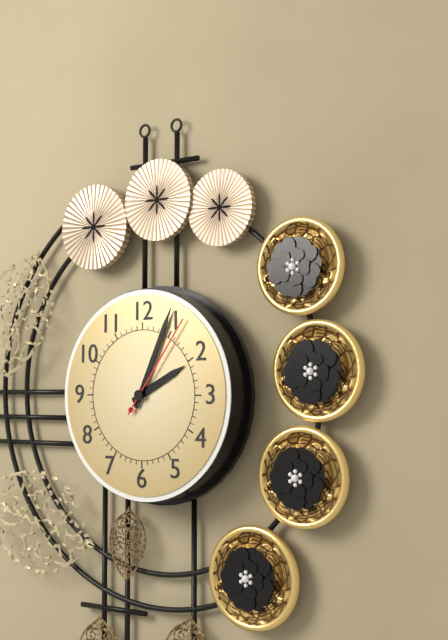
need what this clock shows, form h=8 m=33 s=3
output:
h=2 m=4 s=6
